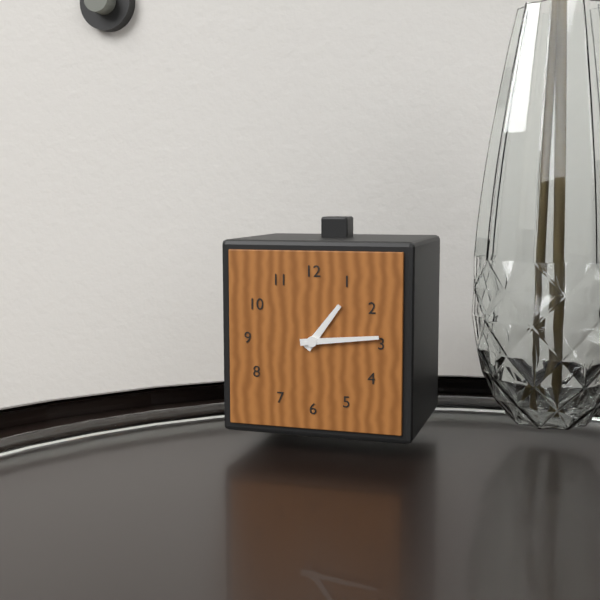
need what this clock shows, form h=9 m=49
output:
h=1 m=14
